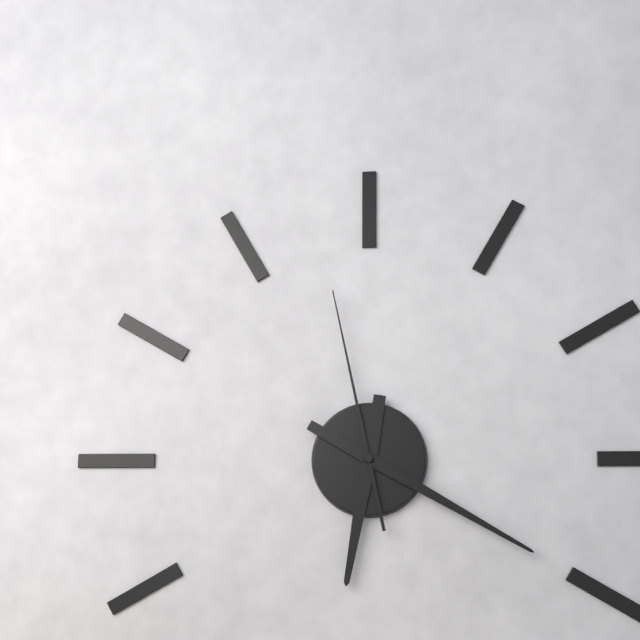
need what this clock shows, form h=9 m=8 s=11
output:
h=6 m=20 s=58
